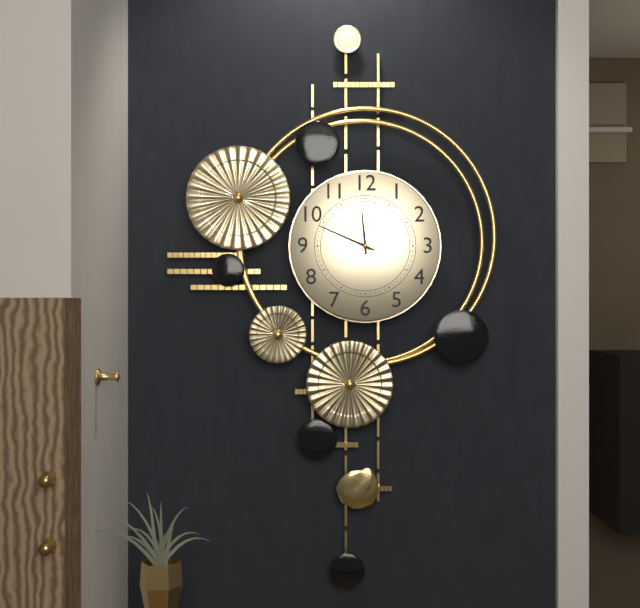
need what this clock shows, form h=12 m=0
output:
h=11 m=49
